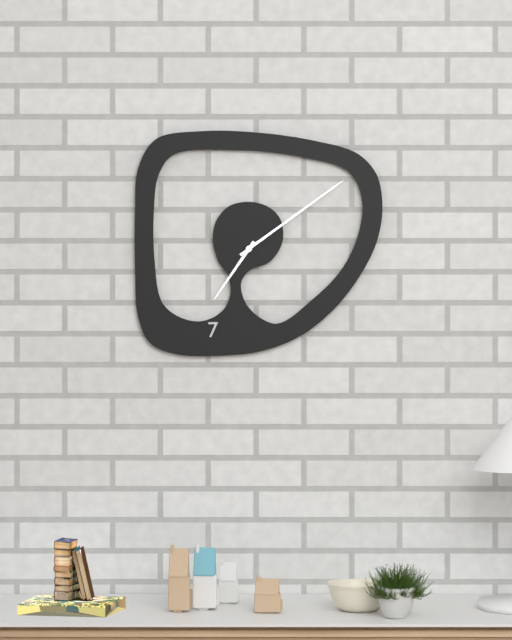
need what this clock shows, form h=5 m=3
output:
h=7 m=9
